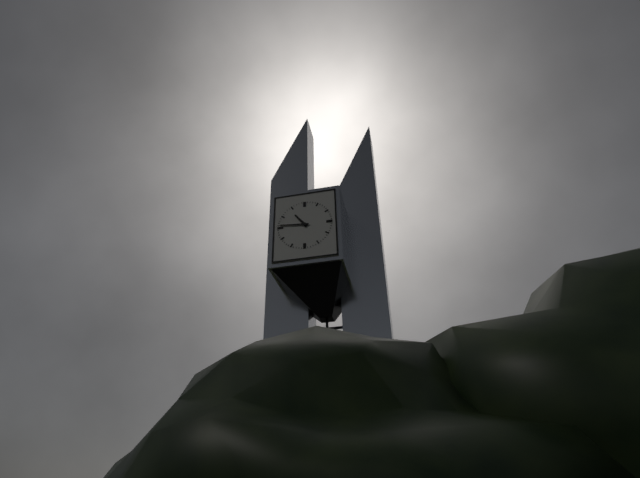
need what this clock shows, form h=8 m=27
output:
h=10 m=46
